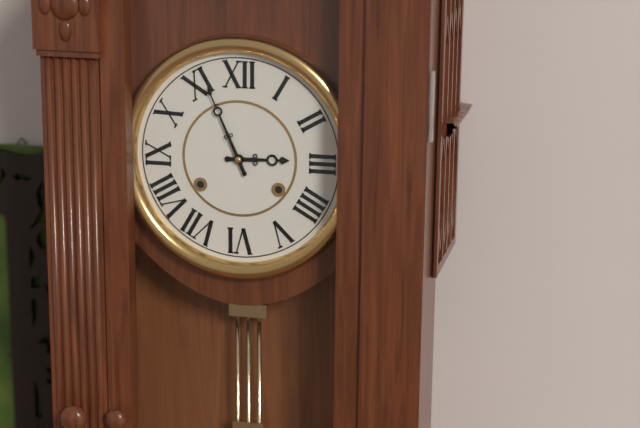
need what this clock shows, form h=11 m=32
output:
h=2 m=56
